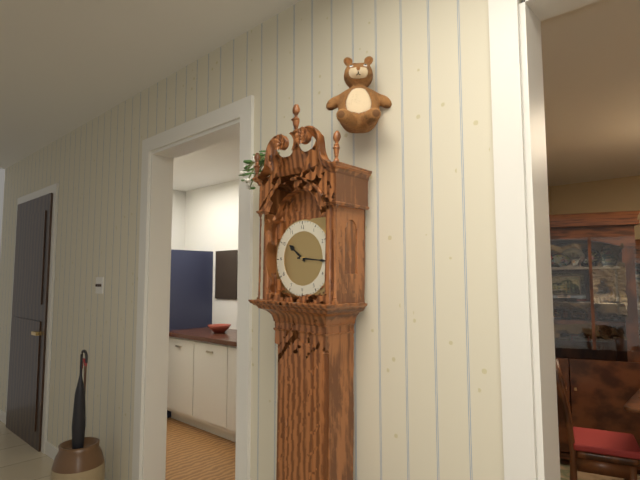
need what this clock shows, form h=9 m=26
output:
h=10 m=16
